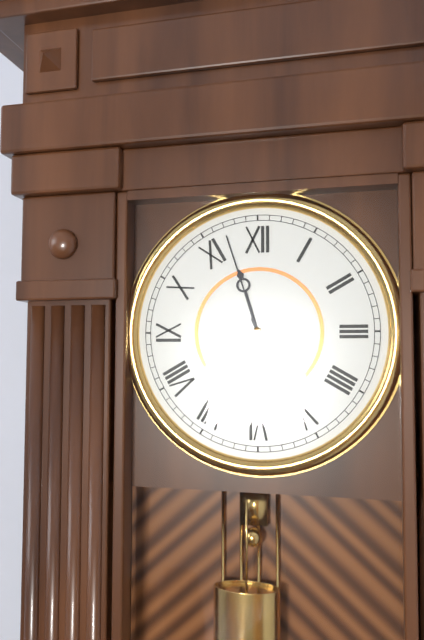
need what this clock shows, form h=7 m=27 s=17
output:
h=11 m=26 s=57
